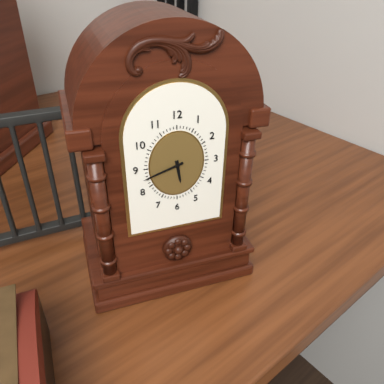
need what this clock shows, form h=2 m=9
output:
h=5 m=42
